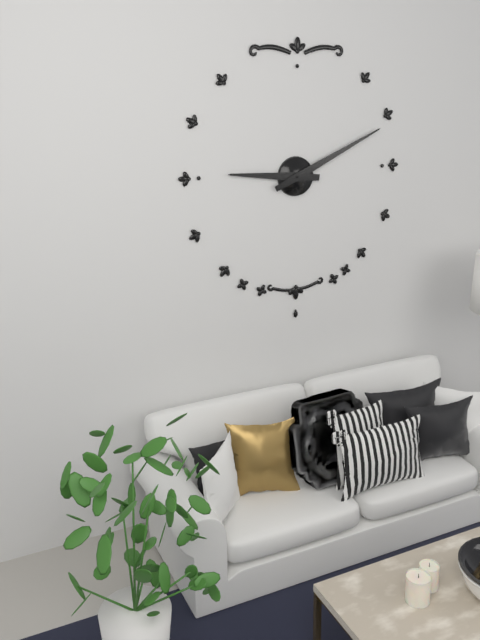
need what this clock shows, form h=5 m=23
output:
h=9 m=11
